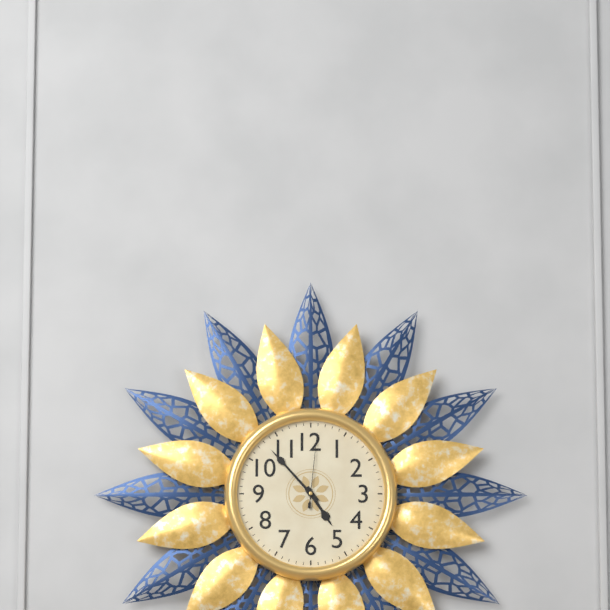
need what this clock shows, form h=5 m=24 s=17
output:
h=4 m=53 s=1
